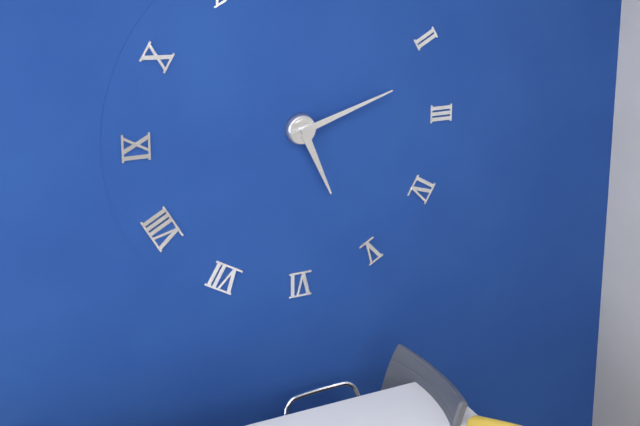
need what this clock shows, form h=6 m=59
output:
h=5 m=12
